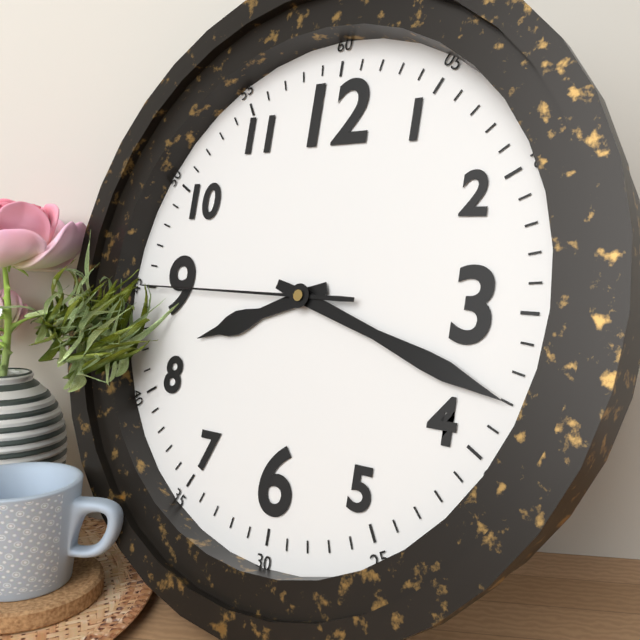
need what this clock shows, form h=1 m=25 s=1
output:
h=8 m=18 s=45
